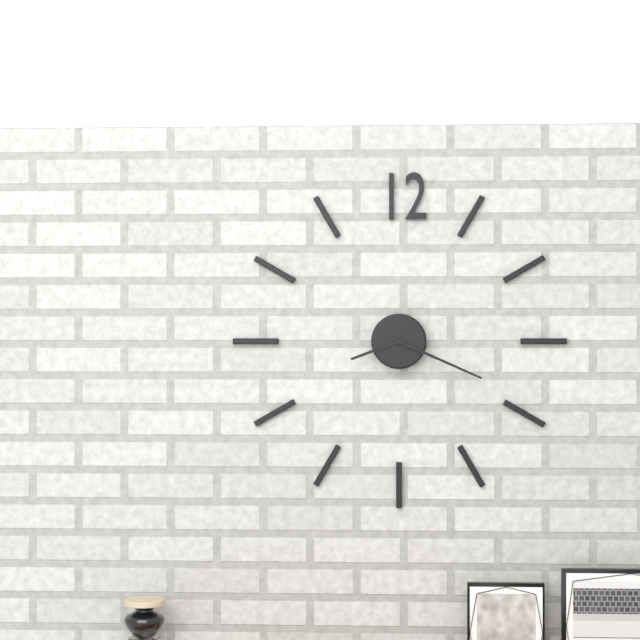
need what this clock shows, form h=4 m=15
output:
h=8 m=19
